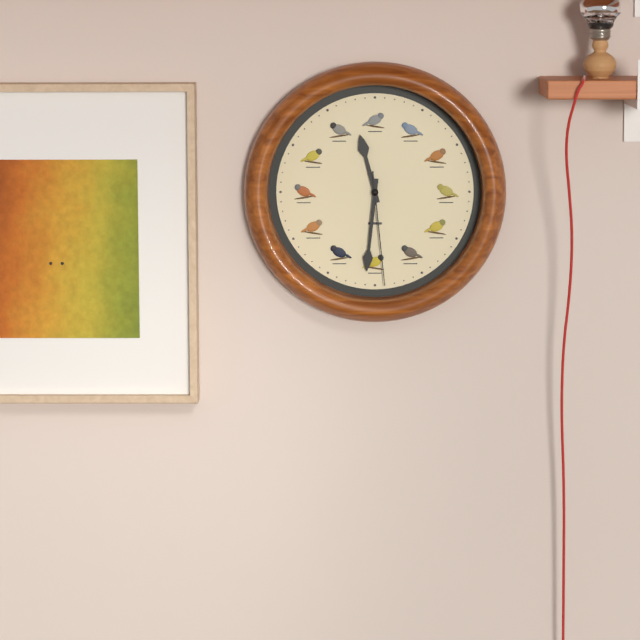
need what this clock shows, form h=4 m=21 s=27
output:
h=11 m=31 s=29
